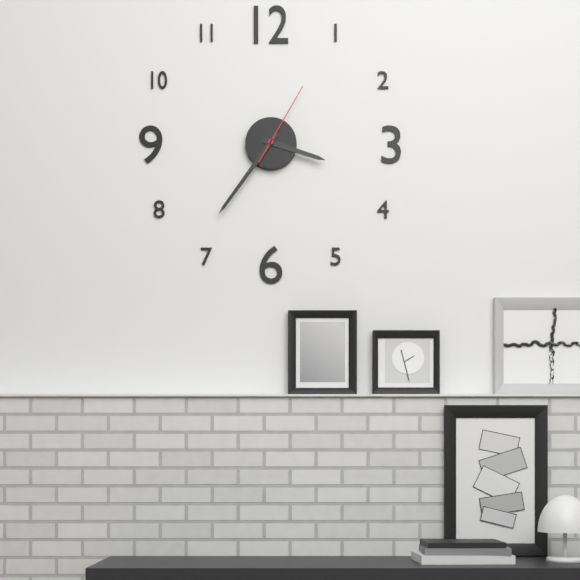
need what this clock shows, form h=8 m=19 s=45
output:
h=3 m=36 s=5
